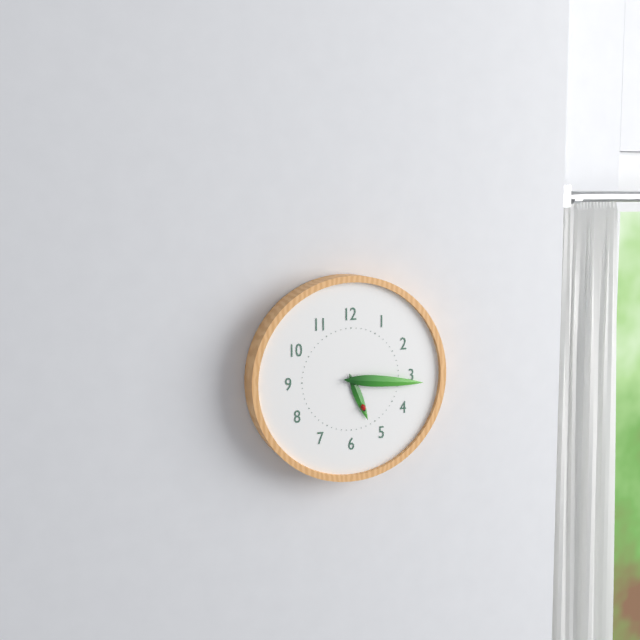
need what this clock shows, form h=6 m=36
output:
h=5 m=16
